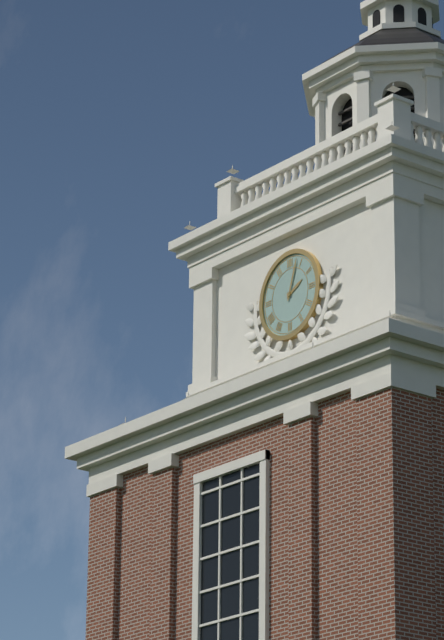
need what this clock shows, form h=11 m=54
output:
h=2 m=3
